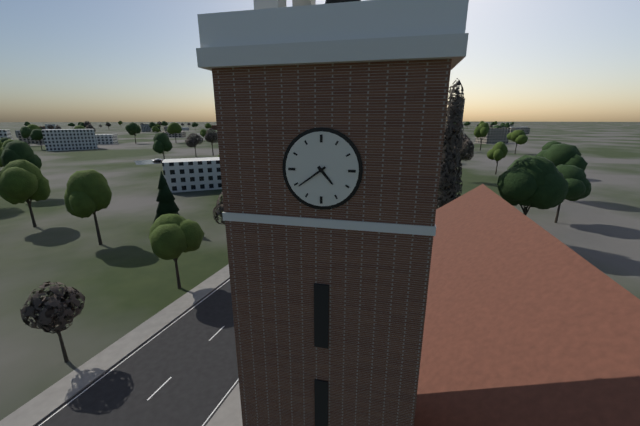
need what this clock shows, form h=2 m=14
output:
h=4 m=39
